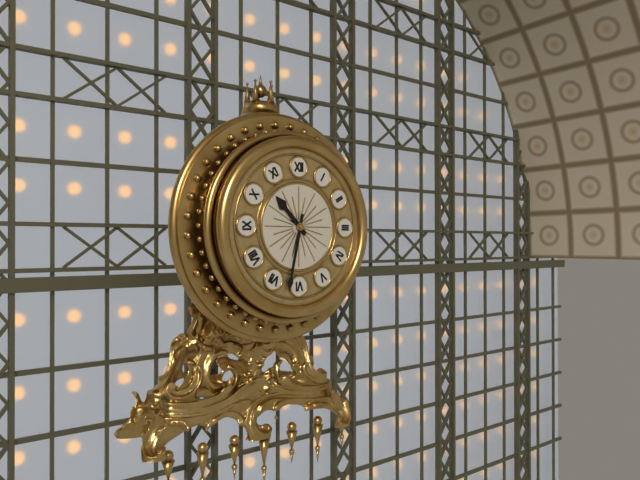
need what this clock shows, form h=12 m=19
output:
h=10 m=32
